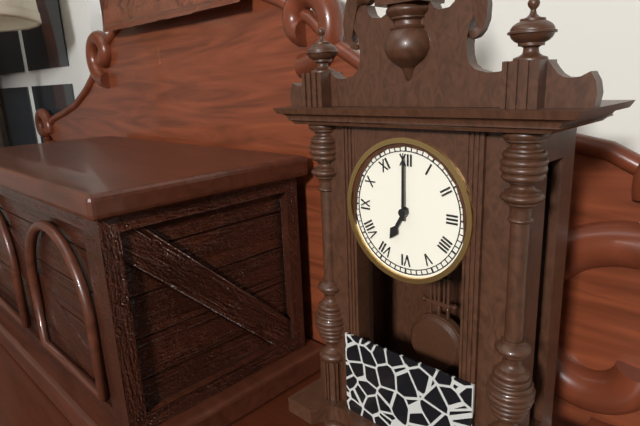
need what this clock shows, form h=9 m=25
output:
h=7 m=0
